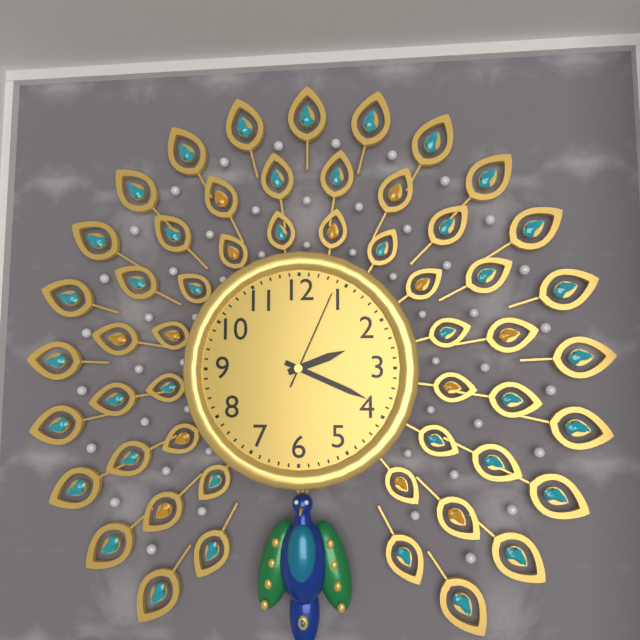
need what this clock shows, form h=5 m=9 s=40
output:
h=2 m=19 s=4
